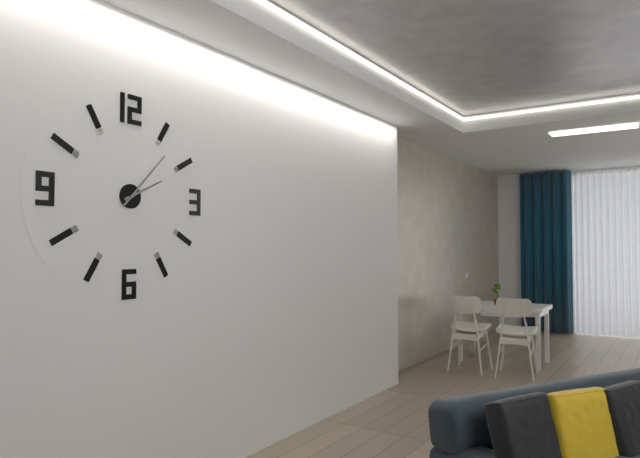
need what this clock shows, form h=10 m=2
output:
h=2 m=7
